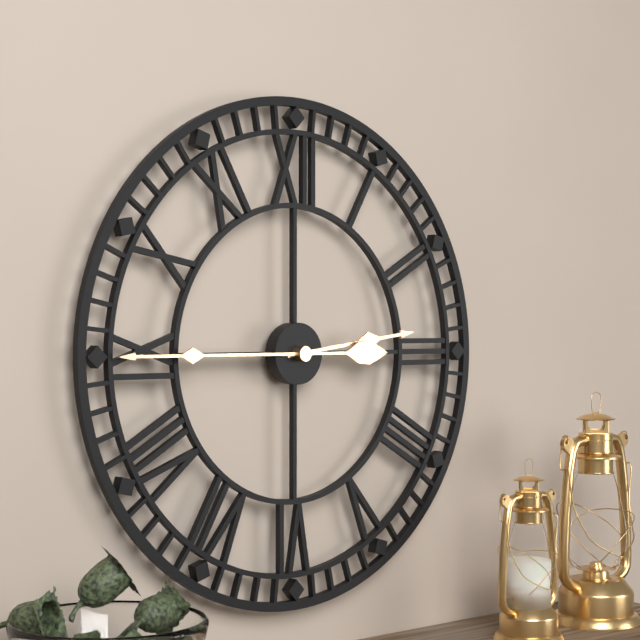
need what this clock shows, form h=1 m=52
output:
h=2 m=45
